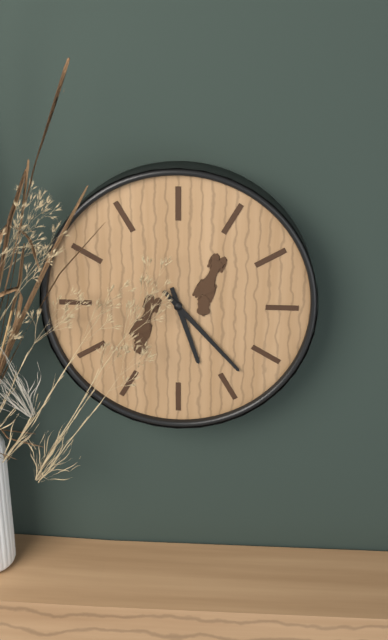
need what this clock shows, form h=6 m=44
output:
h=5 m=23
